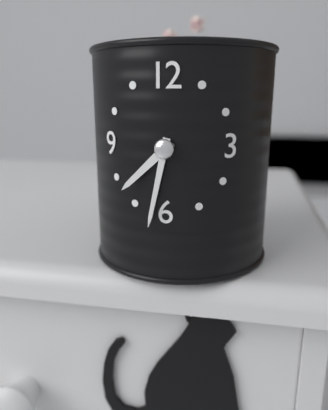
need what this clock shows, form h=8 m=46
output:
h=7 m=32
